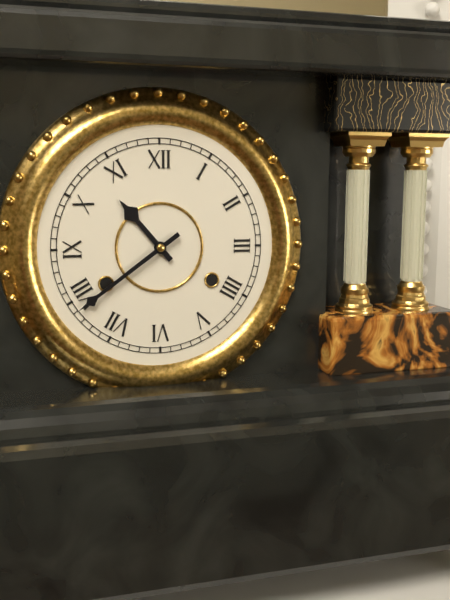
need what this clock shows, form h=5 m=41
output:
h=10 m=39
